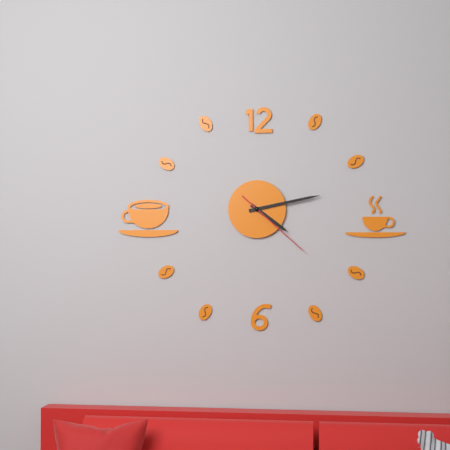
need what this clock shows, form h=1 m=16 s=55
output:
h=4 m=13 s=22
